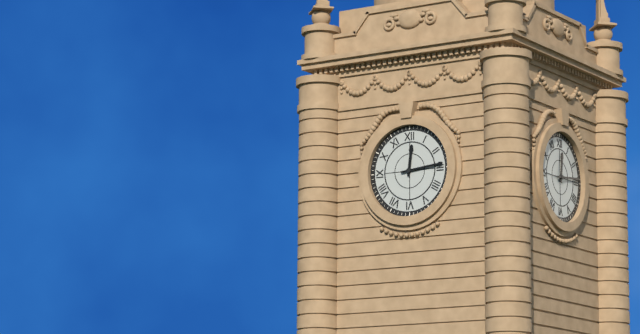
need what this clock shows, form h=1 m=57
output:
h=12 m=14
